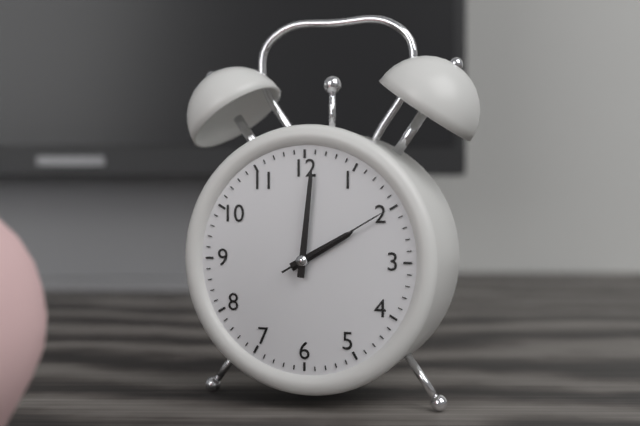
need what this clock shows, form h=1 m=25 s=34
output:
h=2 m=1 s=10
